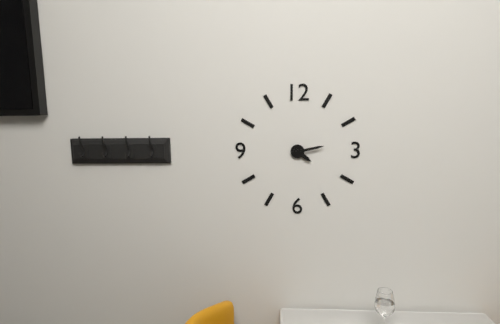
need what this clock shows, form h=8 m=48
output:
h=4 m=13
